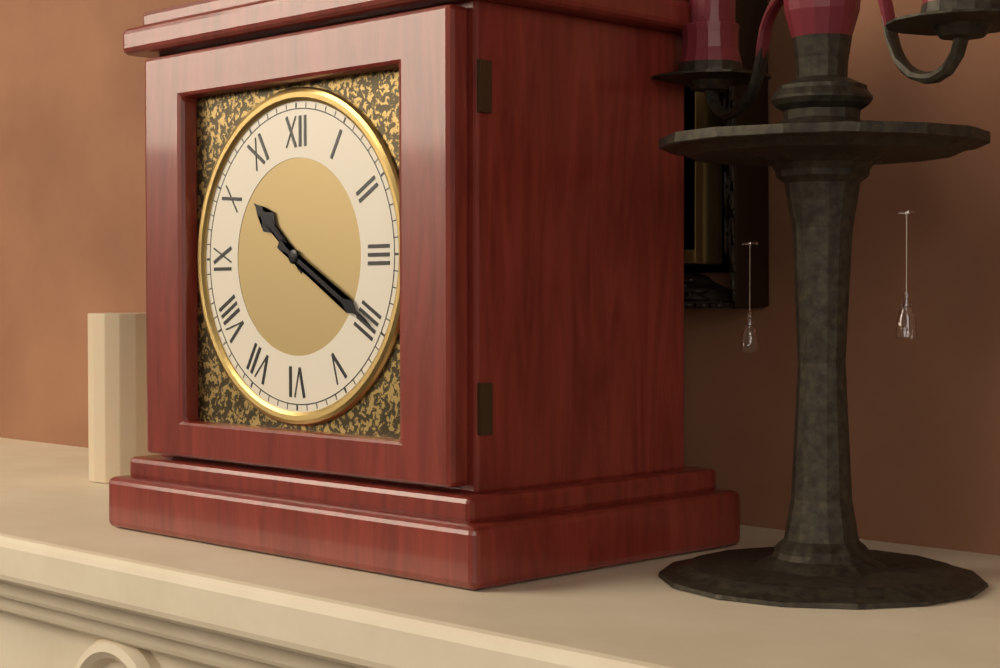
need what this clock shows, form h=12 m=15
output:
h=10 m=20
